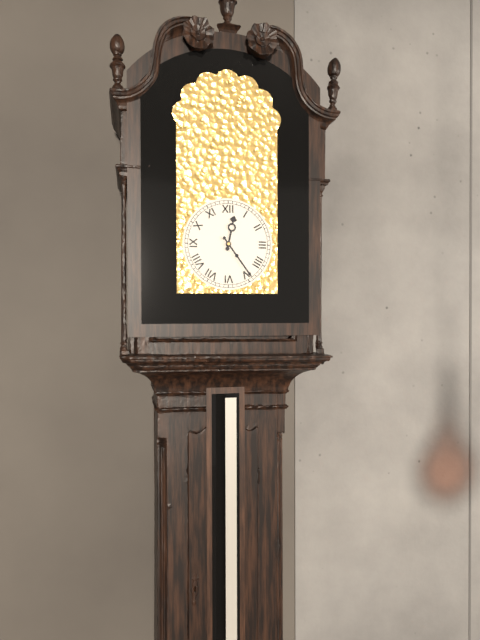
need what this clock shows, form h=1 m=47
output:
h=12 m=24
